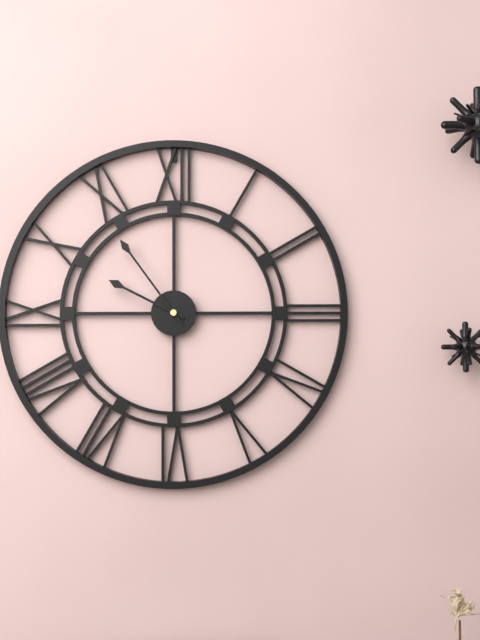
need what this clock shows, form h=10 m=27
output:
h=9 m=54
